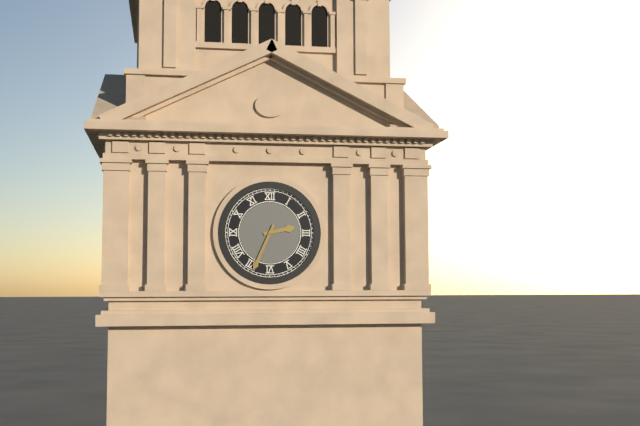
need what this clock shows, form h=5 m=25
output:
h=2 m=34
